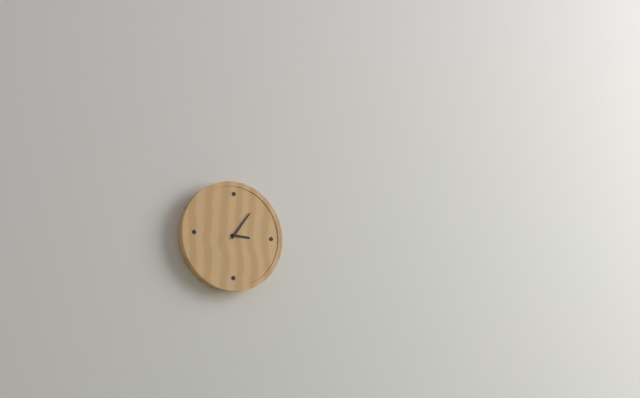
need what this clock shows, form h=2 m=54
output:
h=3 m=6
